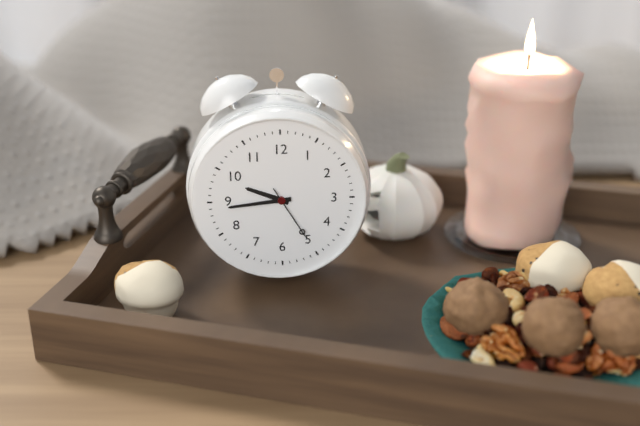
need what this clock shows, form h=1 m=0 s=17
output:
h=9 m=44 s=25
